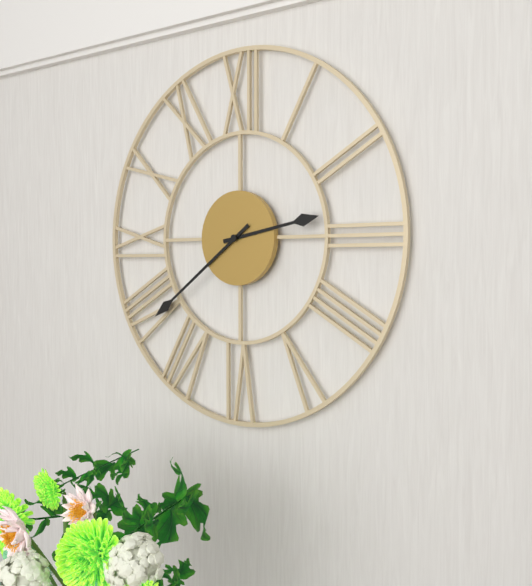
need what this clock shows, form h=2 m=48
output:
h=2 m=39
